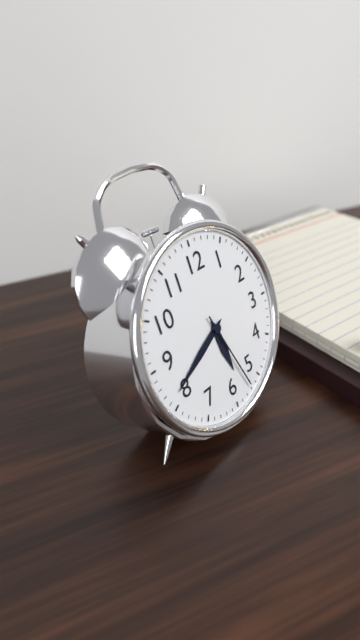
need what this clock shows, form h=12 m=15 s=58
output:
h=5 m=41 s=27
